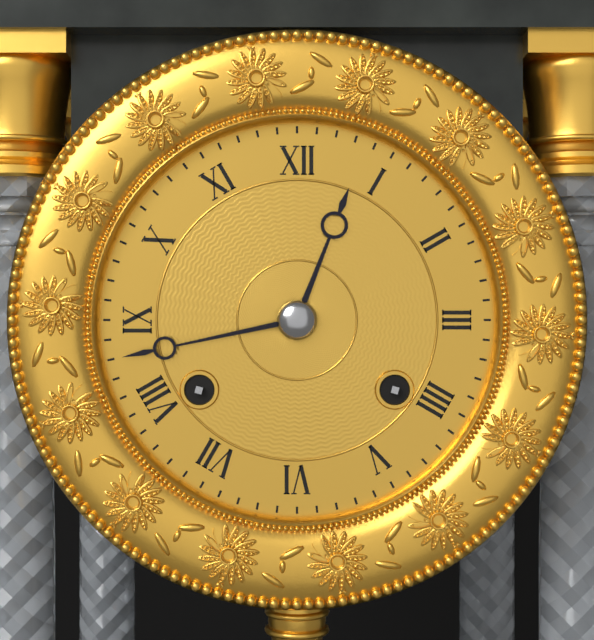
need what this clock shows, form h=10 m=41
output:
h=12 m=43
